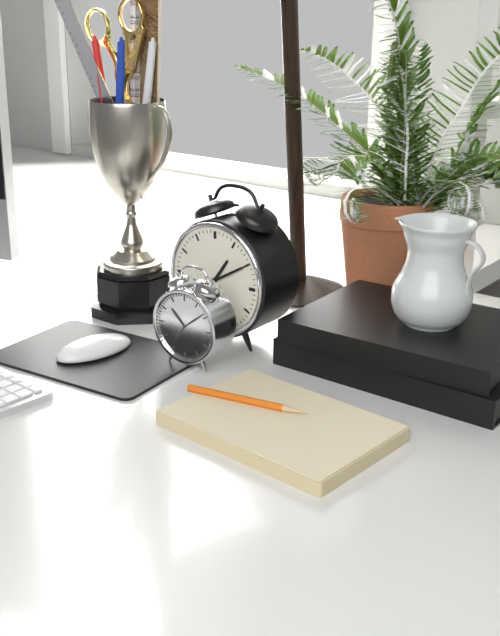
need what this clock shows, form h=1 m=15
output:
h=1 m=10
